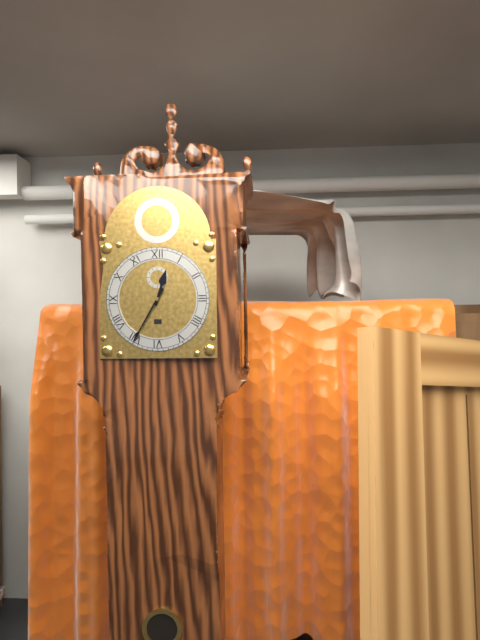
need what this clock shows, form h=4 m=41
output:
h=12 m=35
